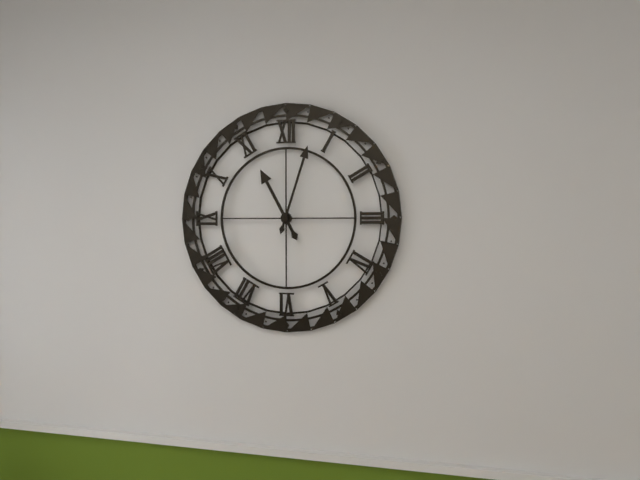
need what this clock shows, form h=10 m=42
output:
h=11 m=3
